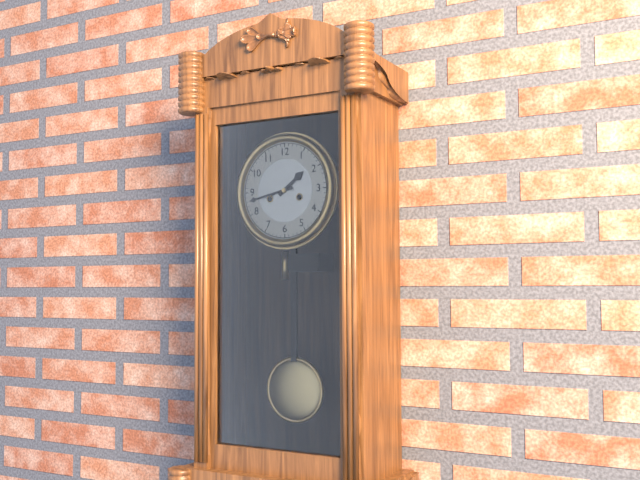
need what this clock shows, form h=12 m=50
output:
h=1 m=43
